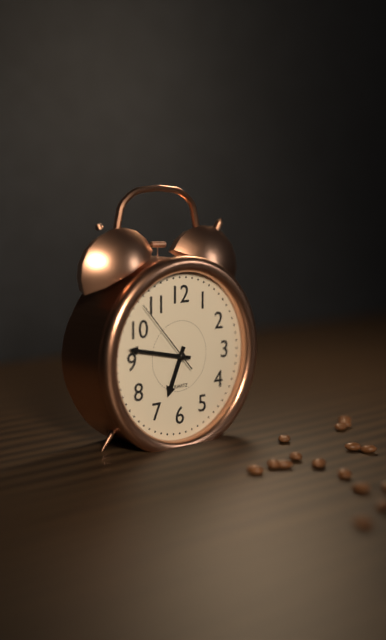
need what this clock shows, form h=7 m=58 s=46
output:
h=6 m=47 s=53
